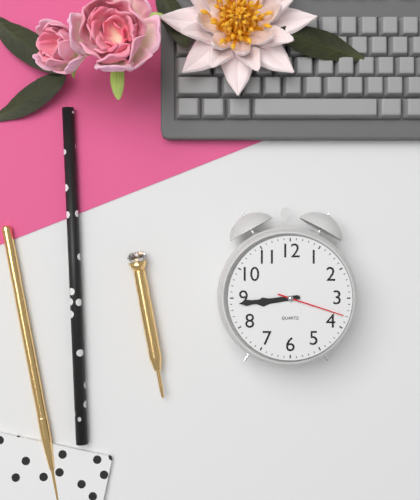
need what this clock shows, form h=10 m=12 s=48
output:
h=8 m=44 s=18
